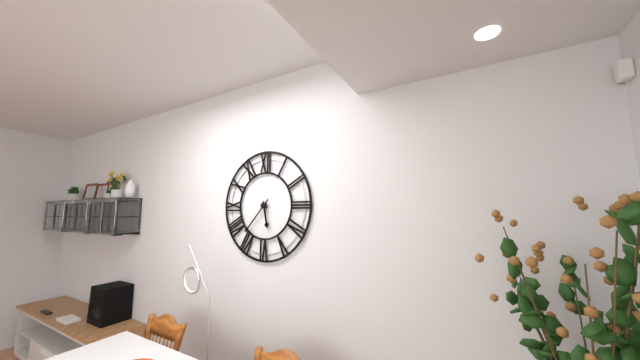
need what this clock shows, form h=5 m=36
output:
h=5 m=37
